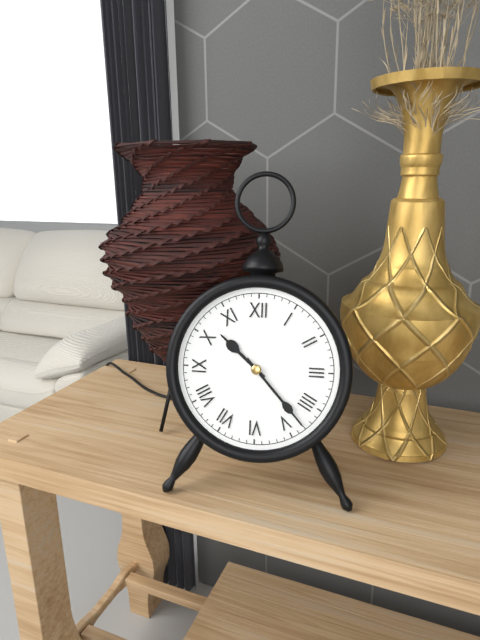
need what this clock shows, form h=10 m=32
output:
h=10 m=23
